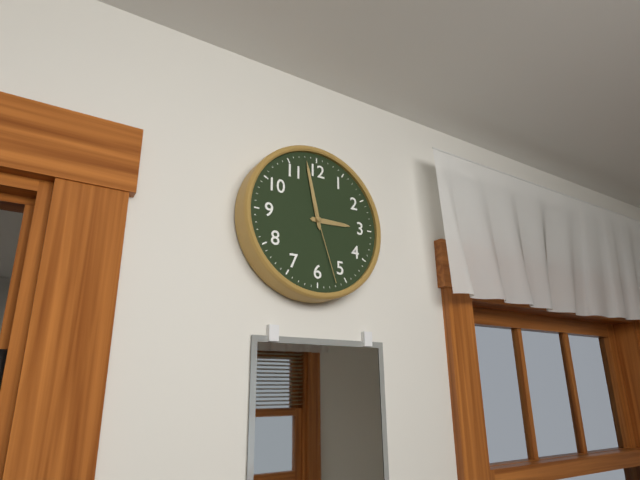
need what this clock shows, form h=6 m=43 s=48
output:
h=2 m=58 s=27
